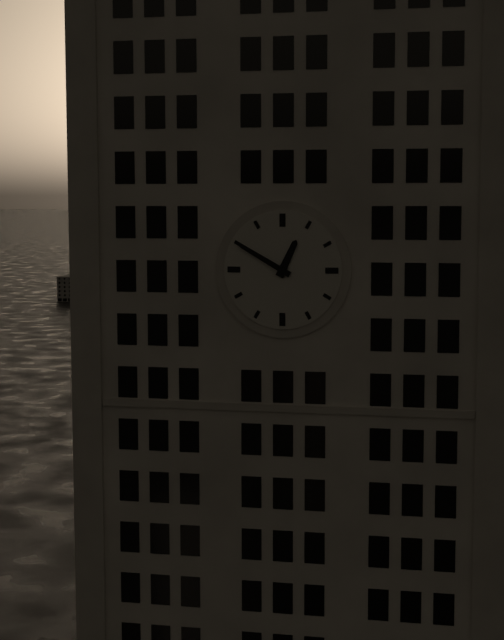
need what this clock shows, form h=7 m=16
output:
h=12 m=50
